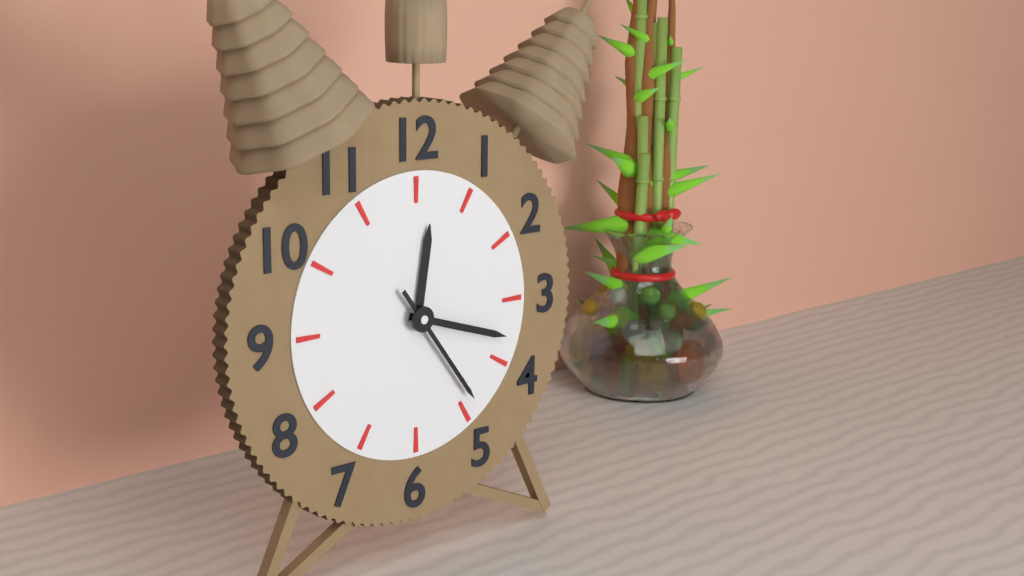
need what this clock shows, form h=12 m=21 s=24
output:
h=12 m=18 s=24
